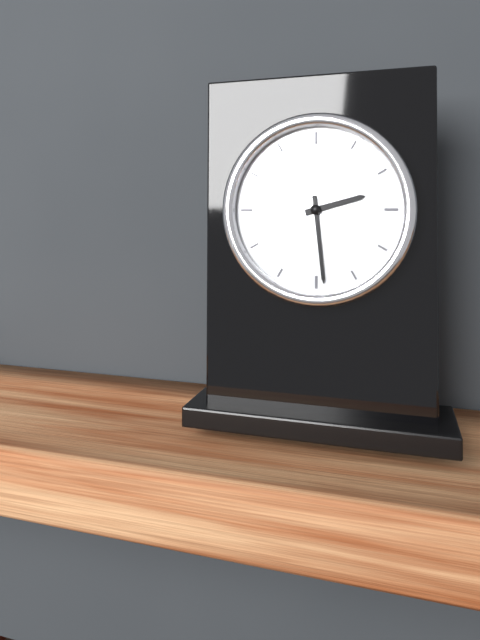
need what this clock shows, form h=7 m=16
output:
h=2 m=29
